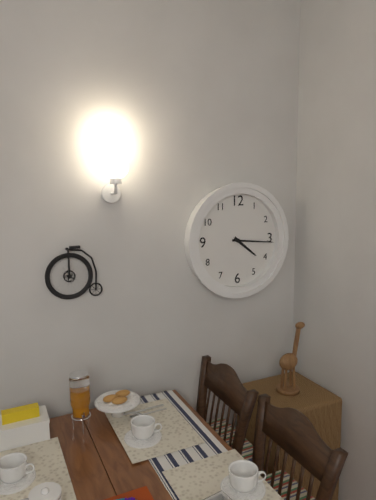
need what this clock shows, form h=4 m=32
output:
h=4 m=16
